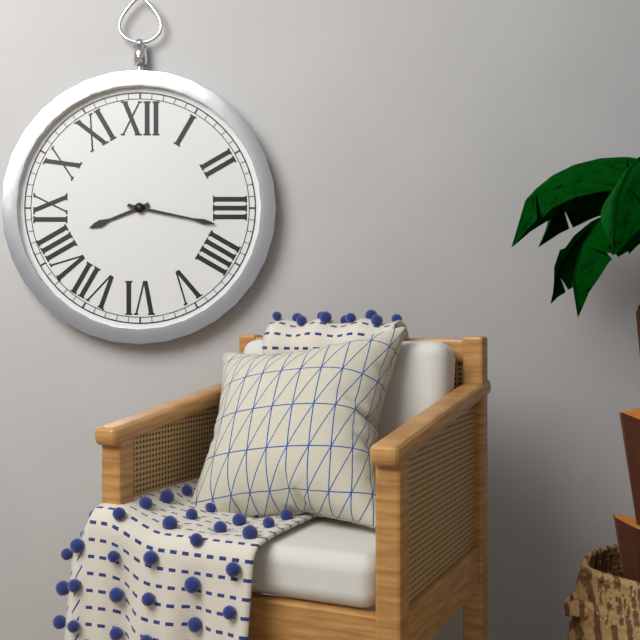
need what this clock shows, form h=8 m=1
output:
h=8 m=17
